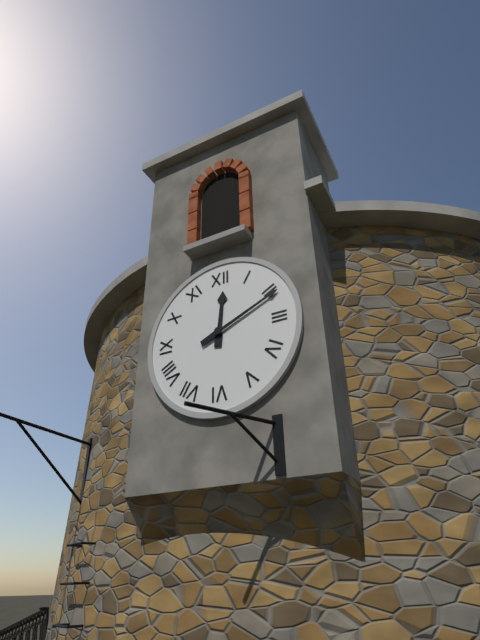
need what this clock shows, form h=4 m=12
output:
h=12 m=11
